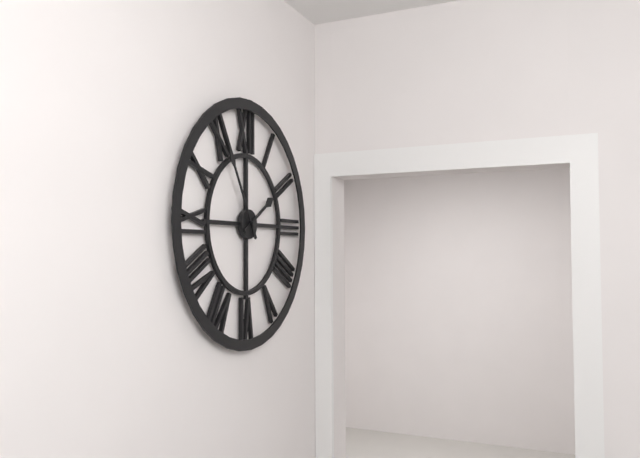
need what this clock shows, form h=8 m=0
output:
h=1 m=55
